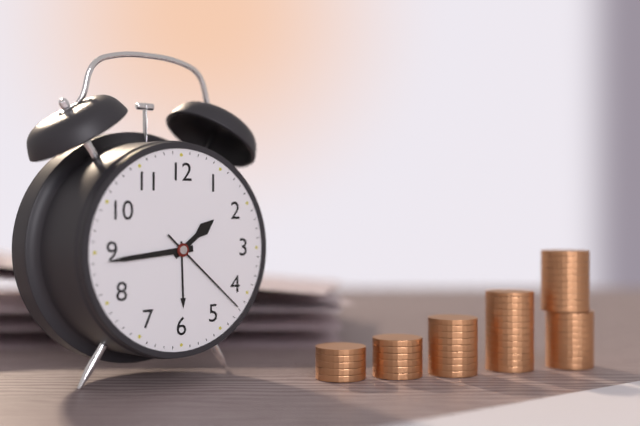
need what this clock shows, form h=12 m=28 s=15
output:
h=1 m=44 s=22
